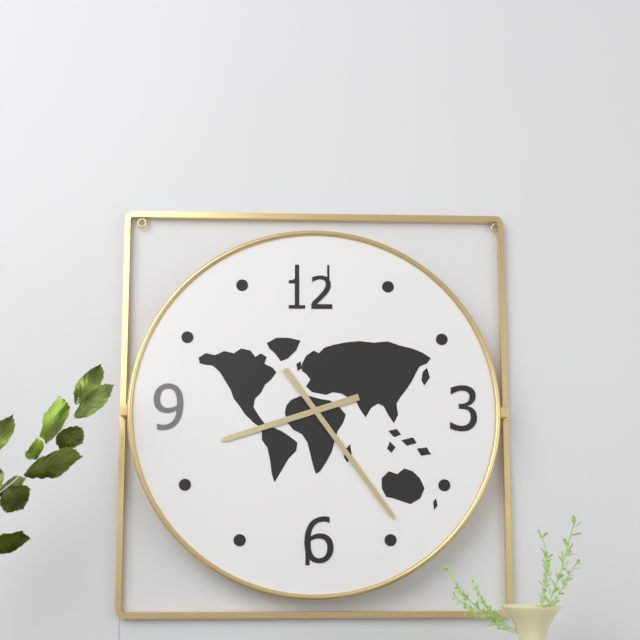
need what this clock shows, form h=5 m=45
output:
h=8 m=24
